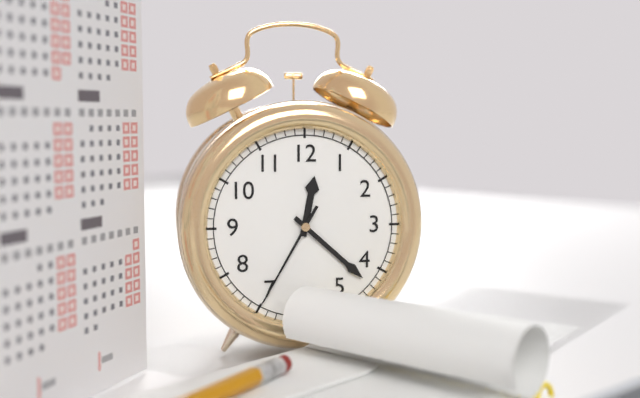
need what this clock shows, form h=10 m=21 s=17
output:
h=12 m=22 s=35
